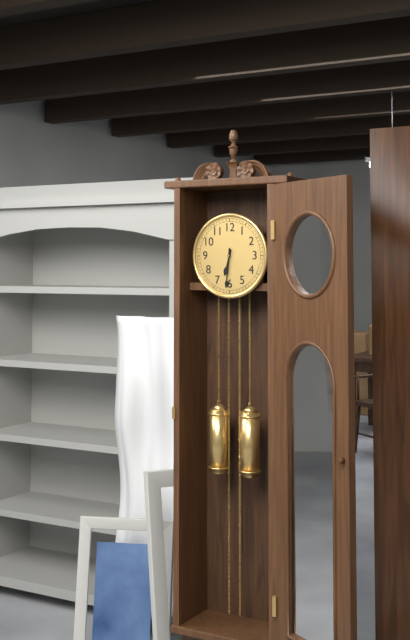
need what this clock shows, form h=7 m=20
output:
h=6 m=31
